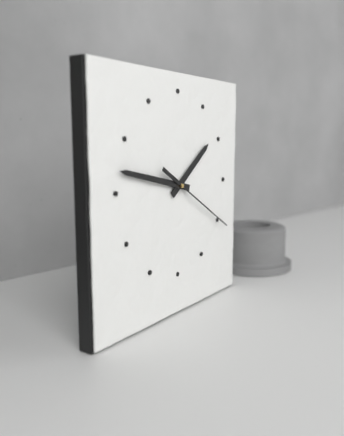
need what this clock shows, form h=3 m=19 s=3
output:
h=1 m=47 s=20
